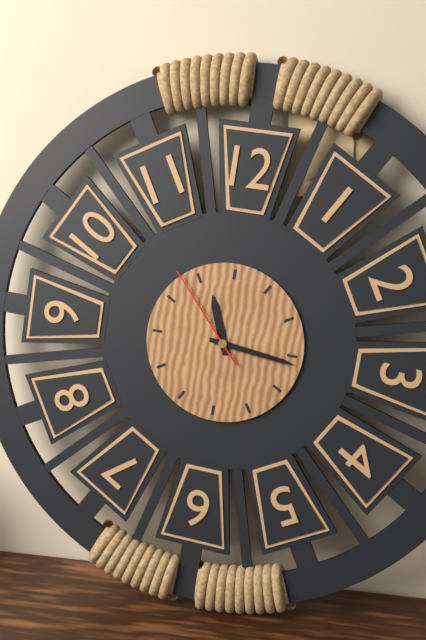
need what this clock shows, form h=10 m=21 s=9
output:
h=11 m=16 s=53
